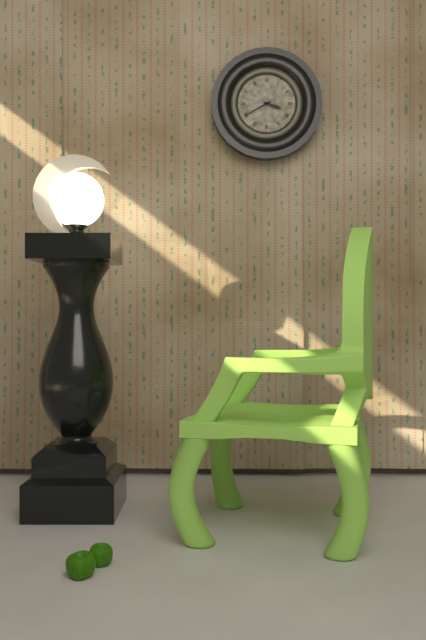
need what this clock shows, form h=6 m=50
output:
h=3 m=40
